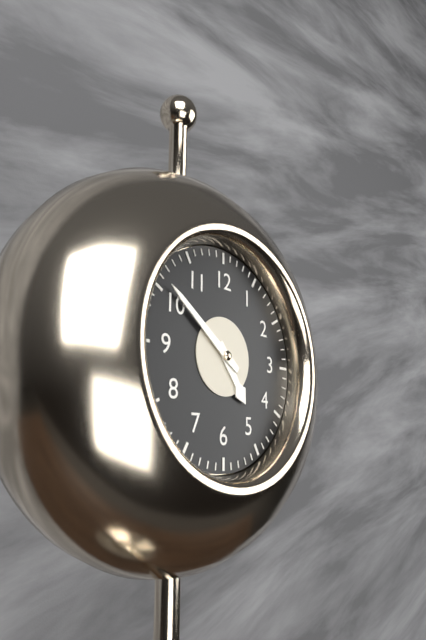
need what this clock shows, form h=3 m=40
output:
h=4 m=51
